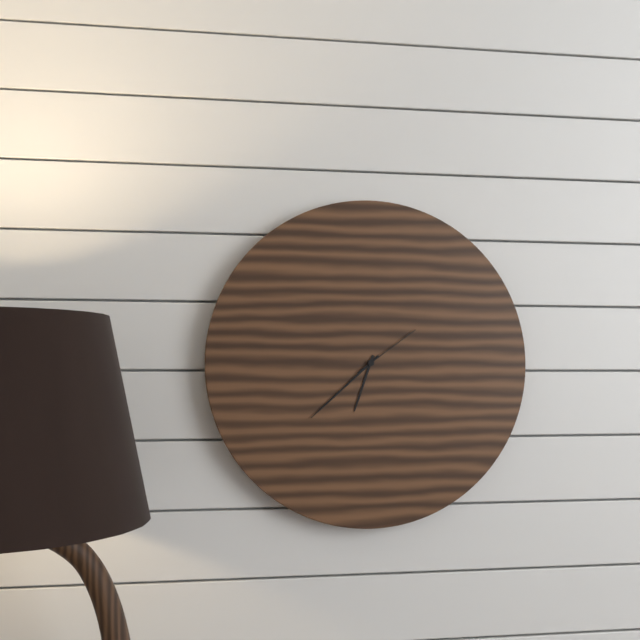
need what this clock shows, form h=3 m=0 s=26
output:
h=6 m=38 s=9
